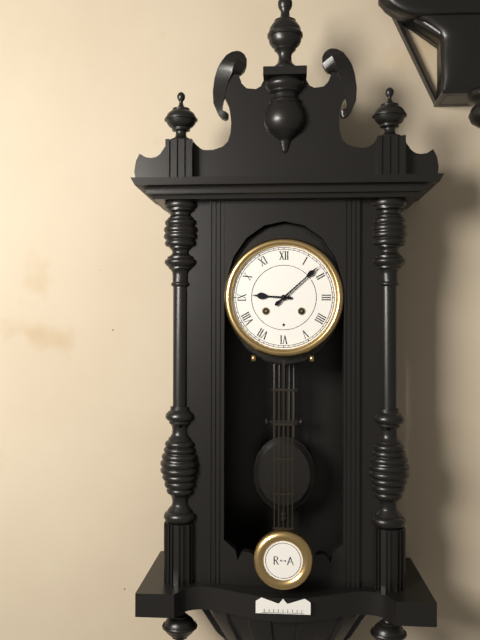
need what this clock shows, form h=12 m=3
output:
h=9 m=8
